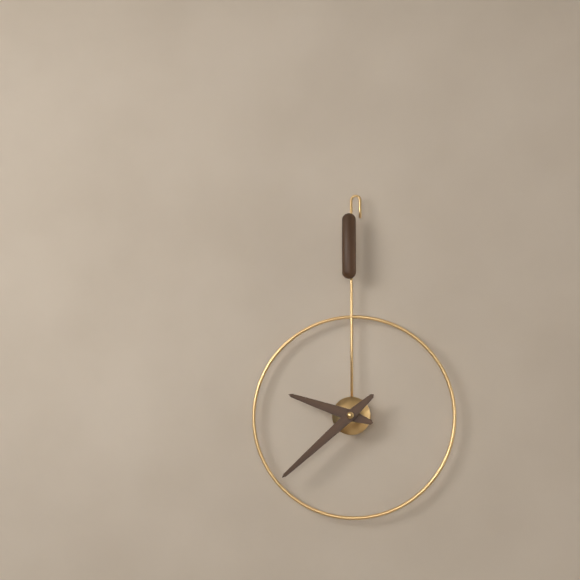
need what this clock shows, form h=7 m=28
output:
h=9 m=38
